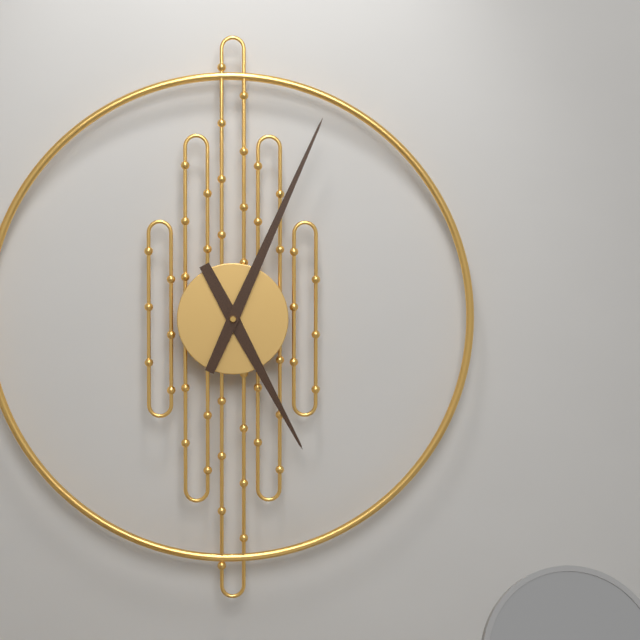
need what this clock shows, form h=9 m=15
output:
h=5 m=4
